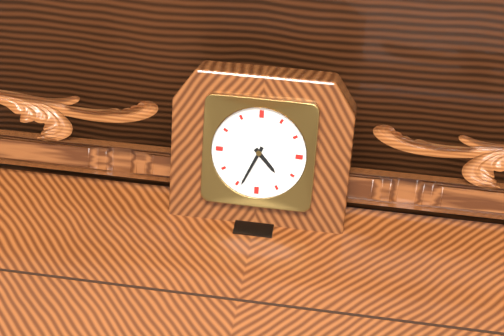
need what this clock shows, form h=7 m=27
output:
h=4 m=34
